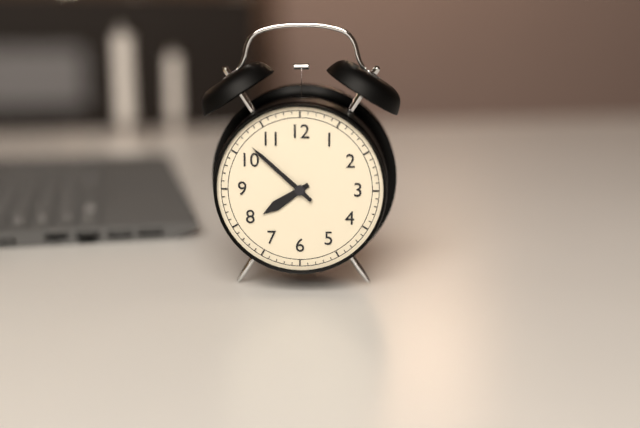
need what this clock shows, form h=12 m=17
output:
h=7 m=52
